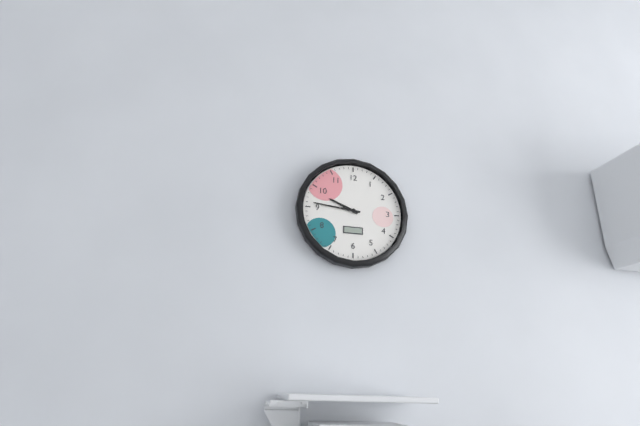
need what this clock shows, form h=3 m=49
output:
h=9 m=46
